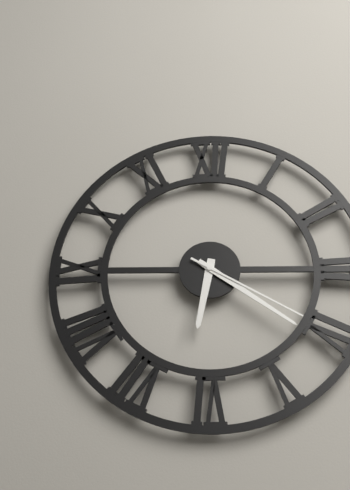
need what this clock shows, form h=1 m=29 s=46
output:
h=6 m=21 s=20
